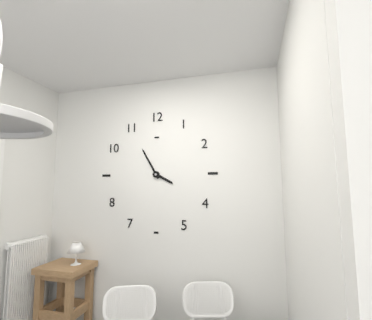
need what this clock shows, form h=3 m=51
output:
h=3 m=55
